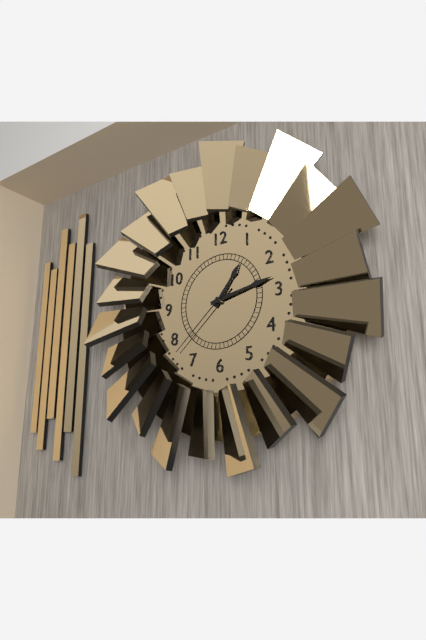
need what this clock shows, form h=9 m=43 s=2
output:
h=1 m=13 s=38
